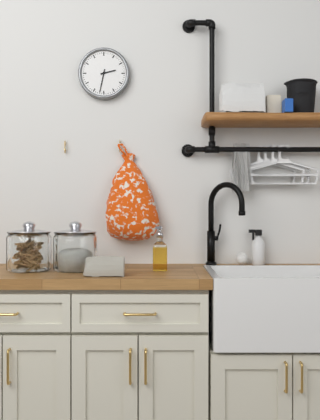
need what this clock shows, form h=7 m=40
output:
h=2 m=32
